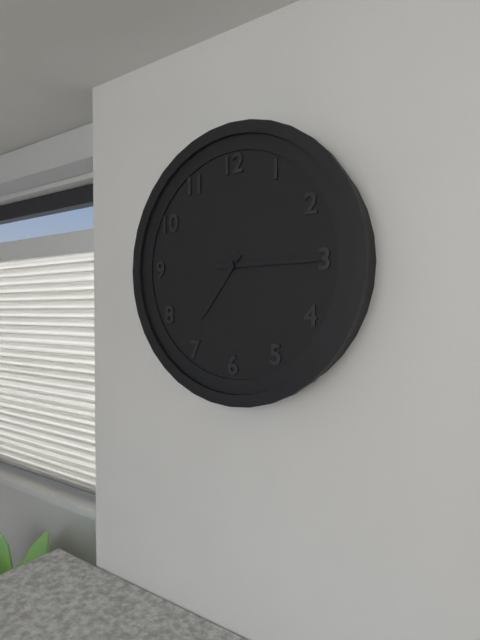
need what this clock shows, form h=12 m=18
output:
h=7 m=15
